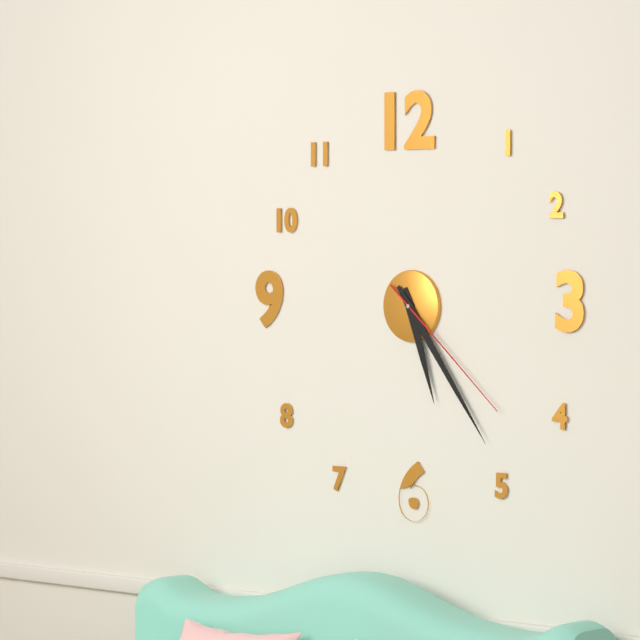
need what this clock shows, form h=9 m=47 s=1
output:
h=5 m=24 s=22
